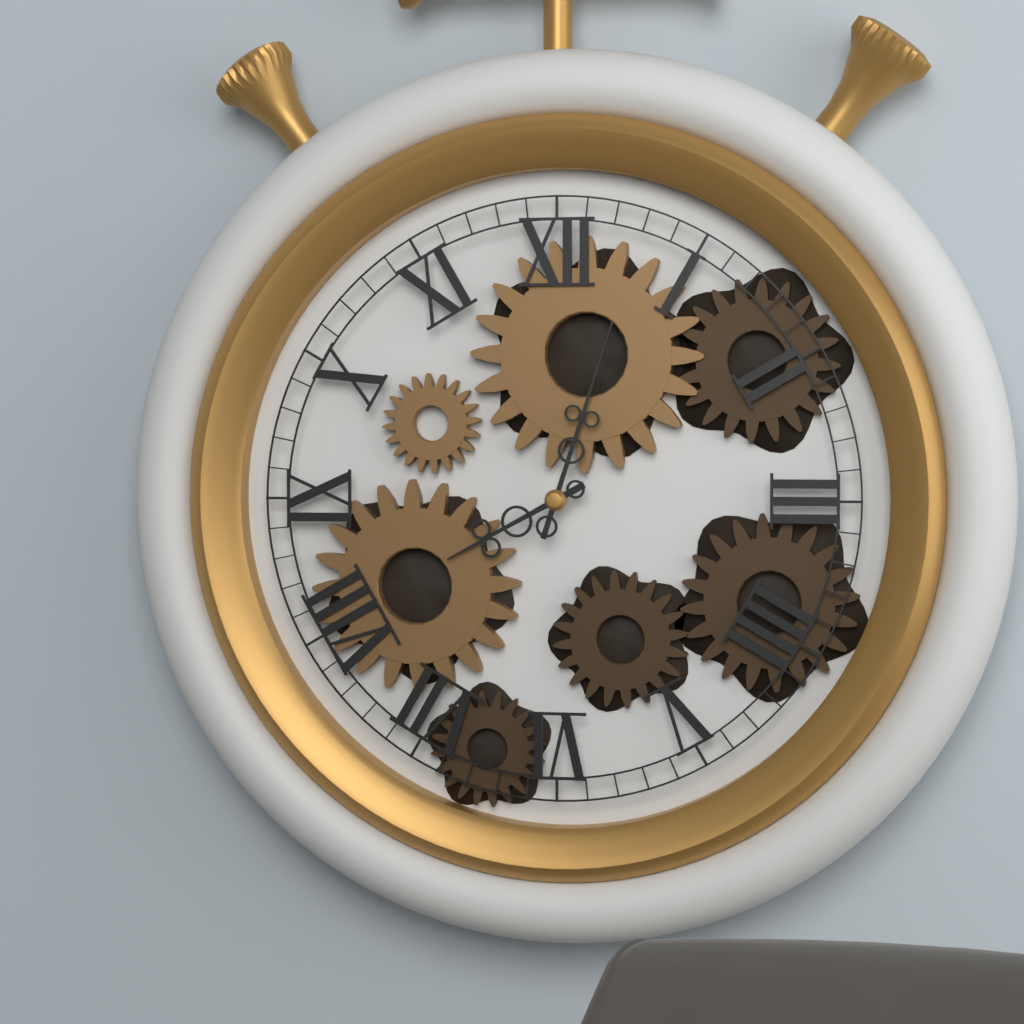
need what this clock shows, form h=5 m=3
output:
h=8 m=3
